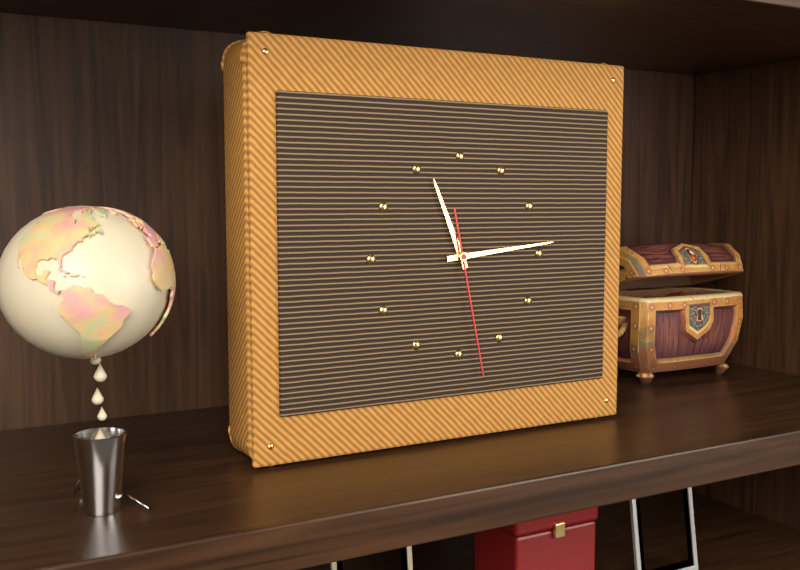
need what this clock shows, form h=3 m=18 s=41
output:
h=11 m=14 s=28
